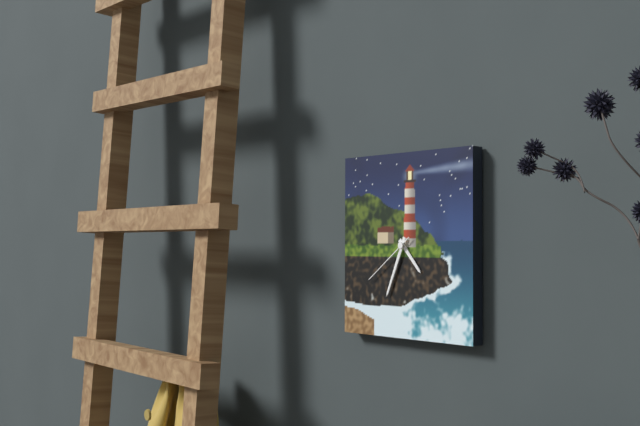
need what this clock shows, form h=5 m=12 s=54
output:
h=4 m=34 s=39
